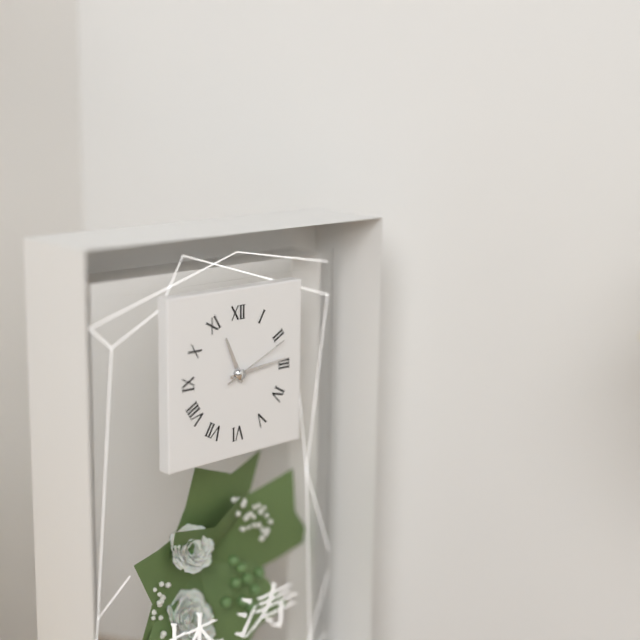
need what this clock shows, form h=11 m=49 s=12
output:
h=11 m=14 s=11
